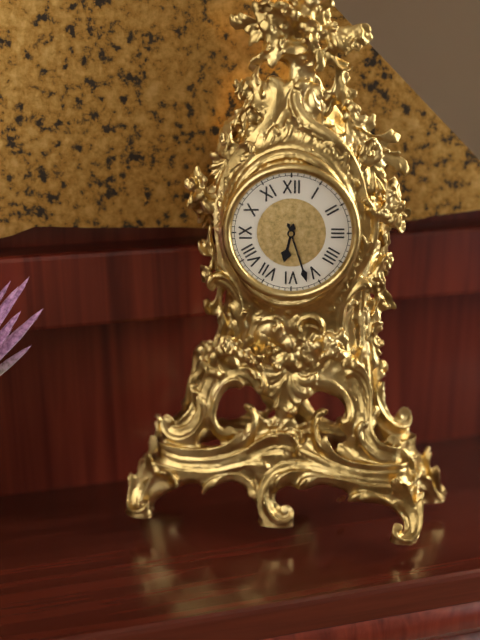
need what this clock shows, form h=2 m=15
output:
h=6 m=27
